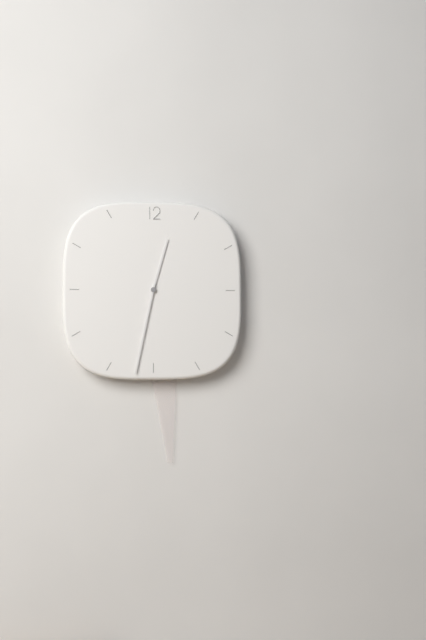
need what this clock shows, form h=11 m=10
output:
h=12 m=32
